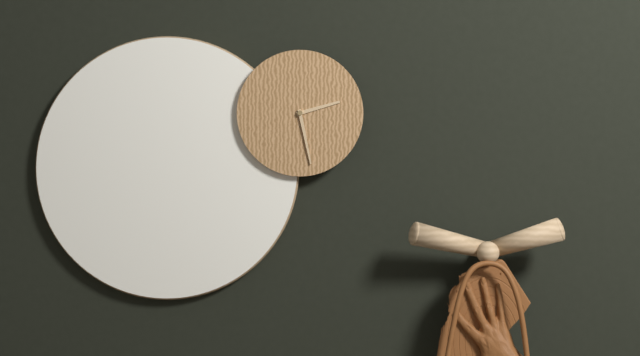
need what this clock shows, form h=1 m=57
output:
h=2 m=28
